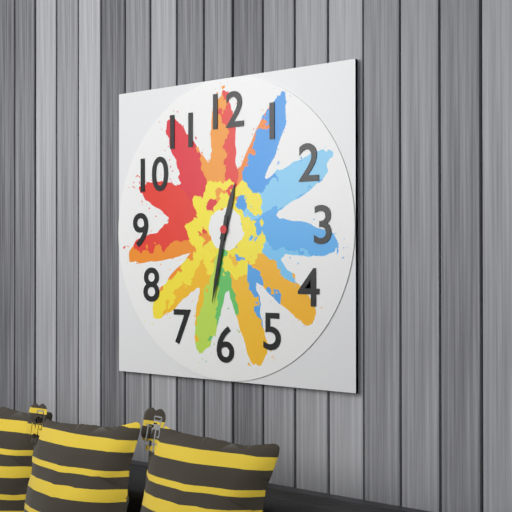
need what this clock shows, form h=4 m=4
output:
h=12 m=32
